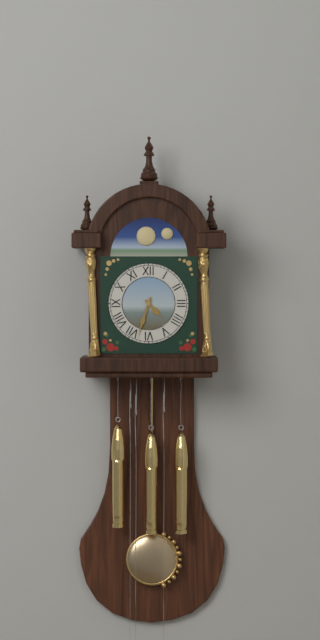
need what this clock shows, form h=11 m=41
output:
h=4 m=33
